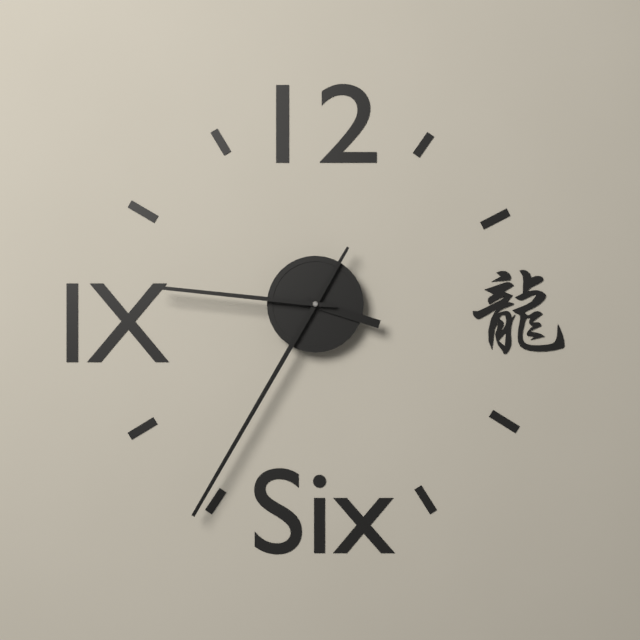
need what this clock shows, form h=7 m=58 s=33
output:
h=3 m=35 s=46
